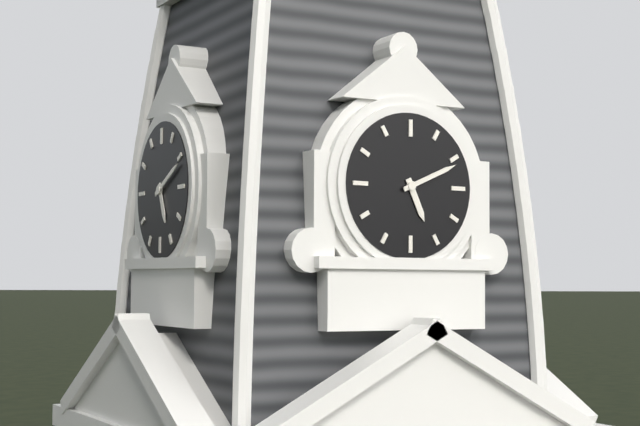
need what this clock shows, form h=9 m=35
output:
h=5 m=11
